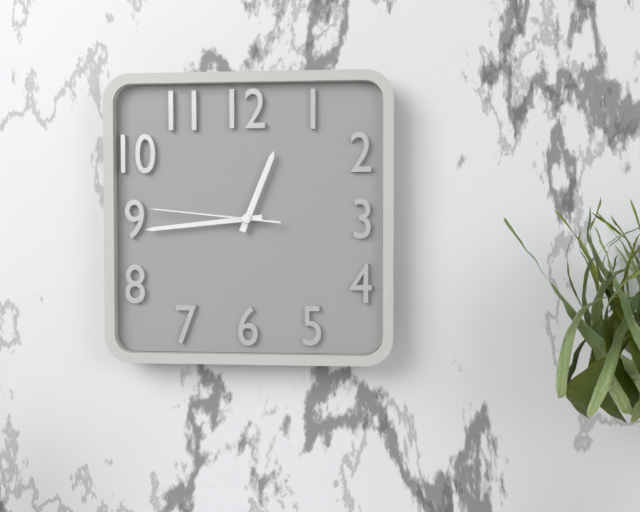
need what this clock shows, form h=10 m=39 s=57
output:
h=12 m=44 s=46
